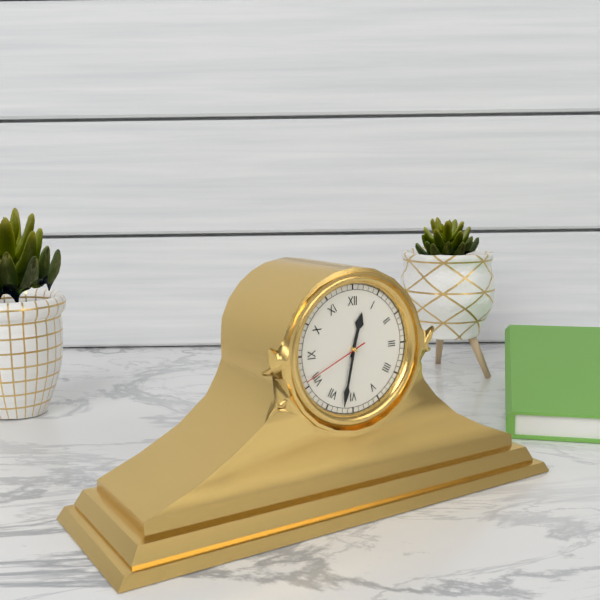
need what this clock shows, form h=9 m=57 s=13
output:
h=12 m=32 s=41
